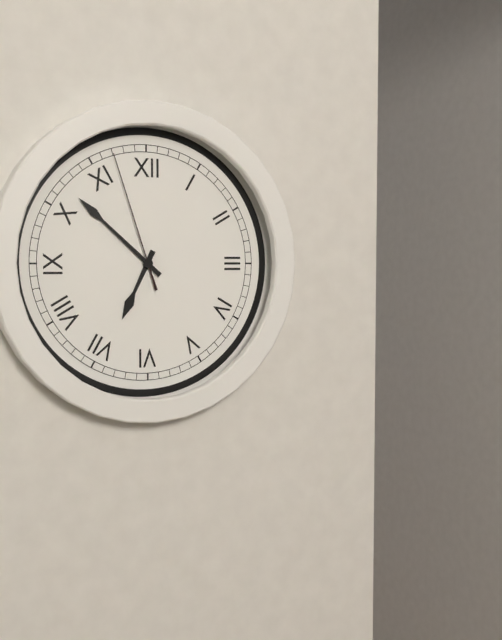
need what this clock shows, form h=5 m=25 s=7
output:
h=6 m=52 s=57
